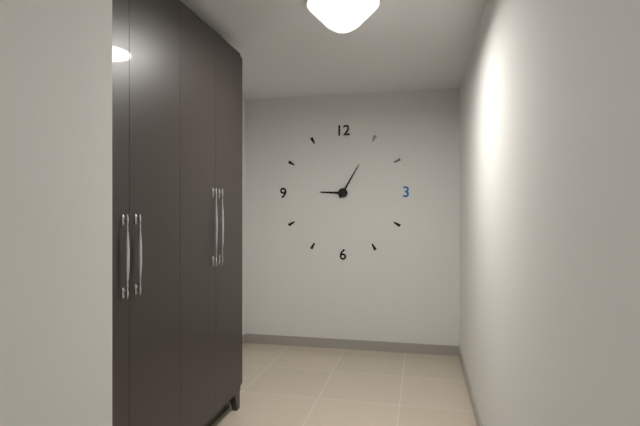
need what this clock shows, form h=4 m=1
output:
h=9 m=5
